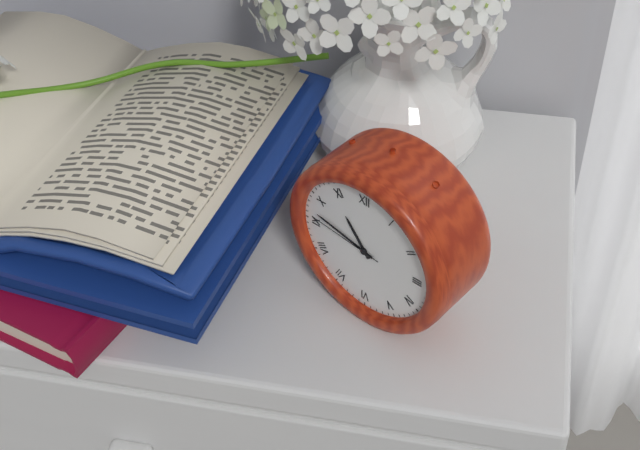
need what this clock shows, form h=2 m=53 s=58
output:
h=10 m=47 s=46
